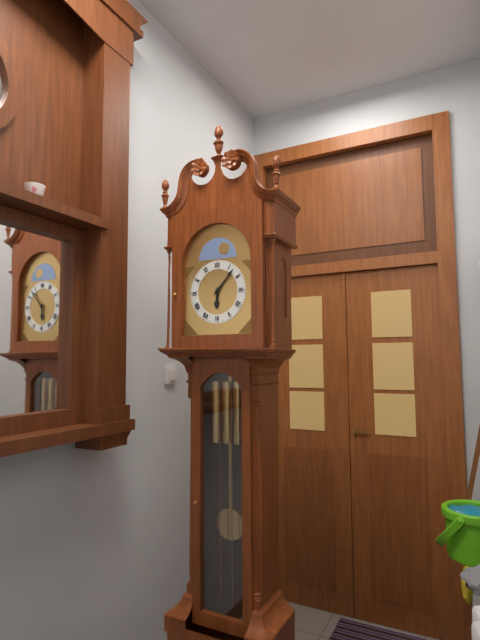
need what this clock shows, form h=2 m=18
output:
h=6 m=7
